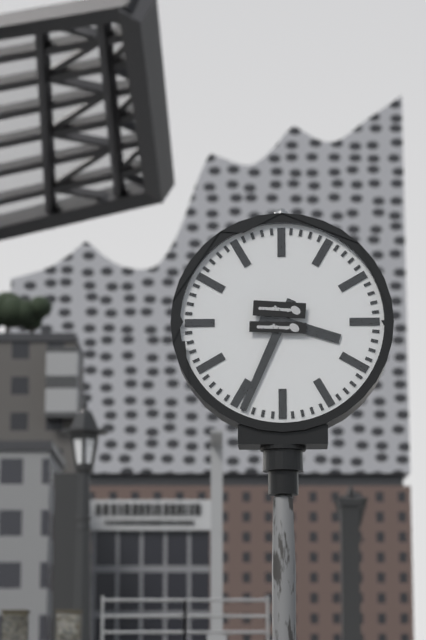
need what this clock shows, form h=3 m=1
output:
h=3 m=34
